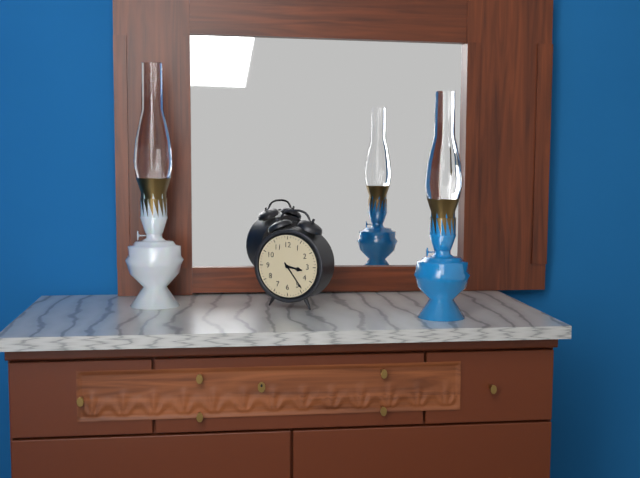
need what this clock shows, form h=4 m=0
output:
h=3 m=24
